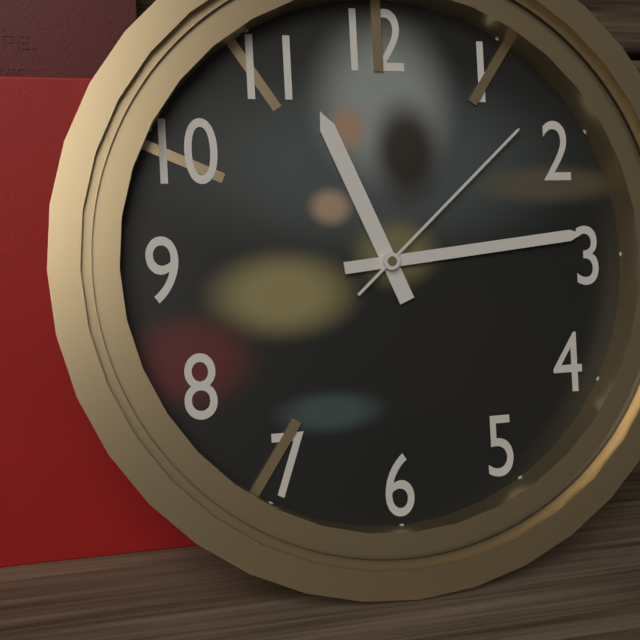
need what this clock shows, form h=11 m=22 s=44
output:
h=11 m=14 s=8
